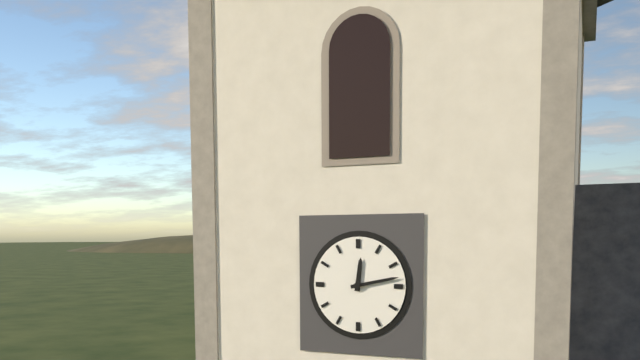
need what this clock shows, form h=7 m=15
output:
h=12 m=13
